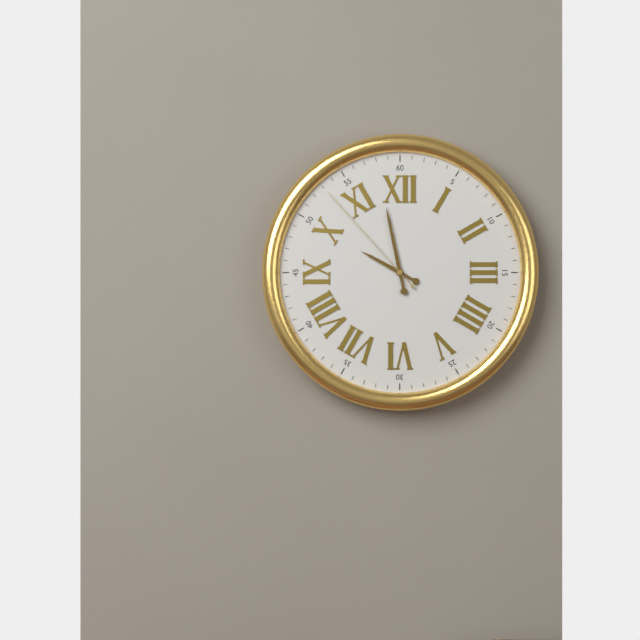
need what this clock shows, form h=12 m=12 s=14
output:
h=9 m=58 s=53
